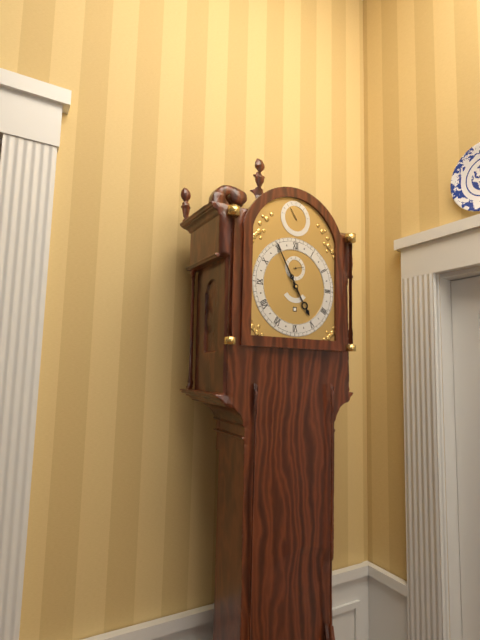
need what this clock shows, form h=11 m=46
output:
h=4 m=55
